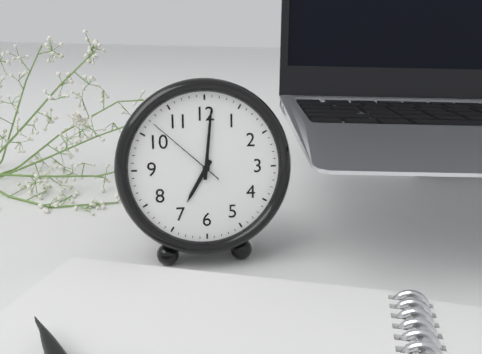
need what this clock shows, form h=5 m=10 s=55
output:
h=7 m=1 s=52
